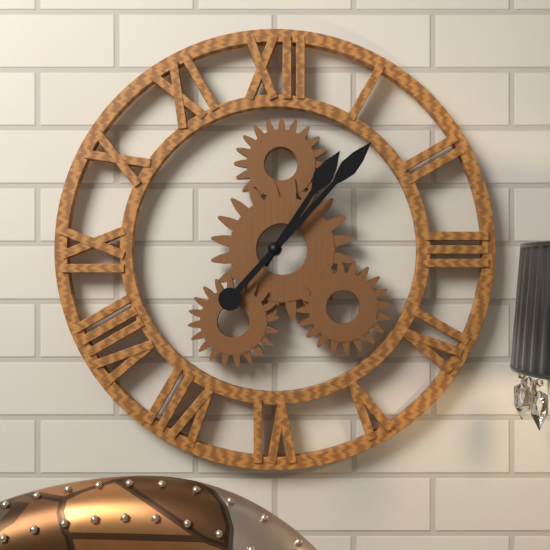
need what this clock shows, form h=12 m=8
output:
h=1 m=7
